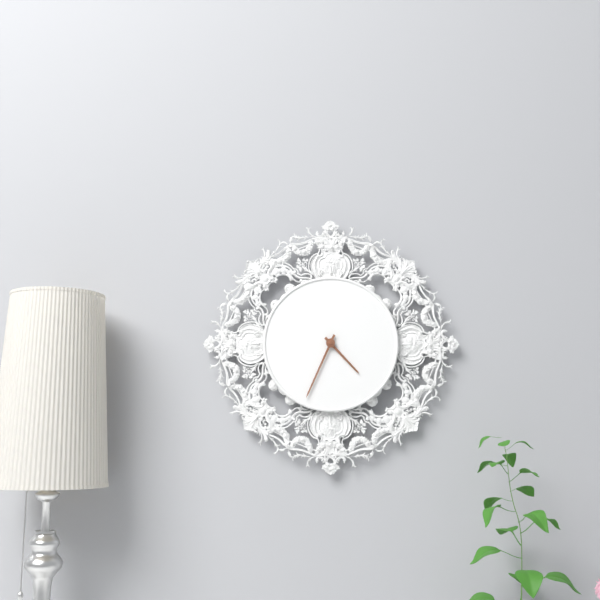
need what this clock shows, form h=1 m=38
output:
h=4 m=34
